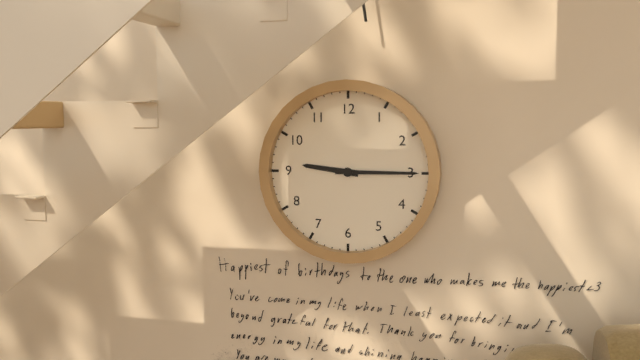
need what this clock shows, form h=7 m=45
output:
h=9 m=15
